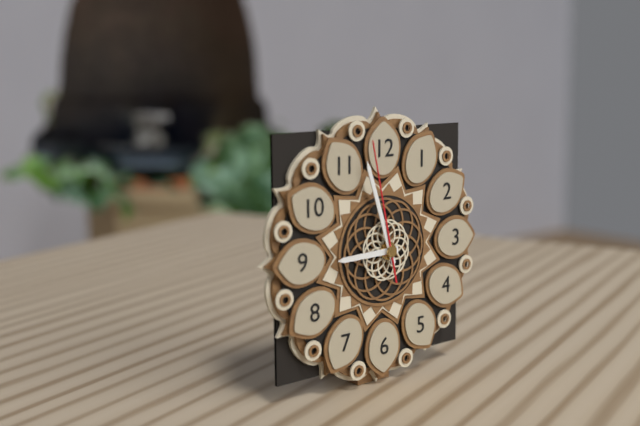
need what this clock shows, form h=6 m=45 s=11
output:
h=8 m=57 s=58
